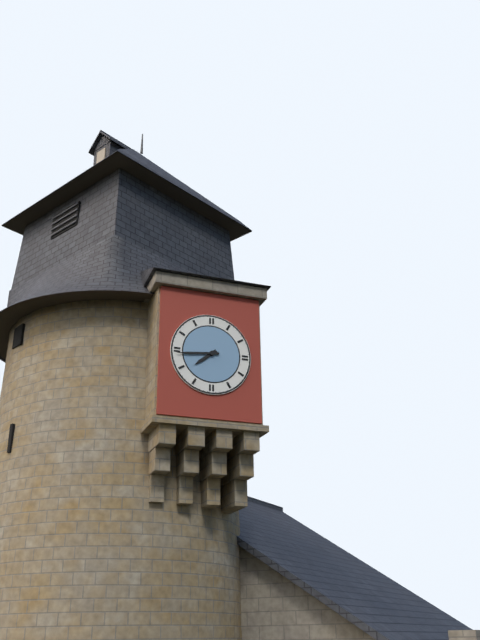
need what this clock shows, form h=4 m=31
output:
h=7 m=44
